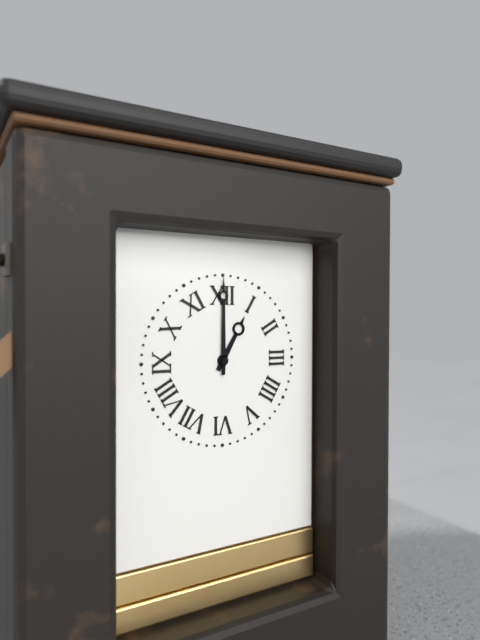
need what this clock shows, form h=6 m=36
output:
h=1 m=0
